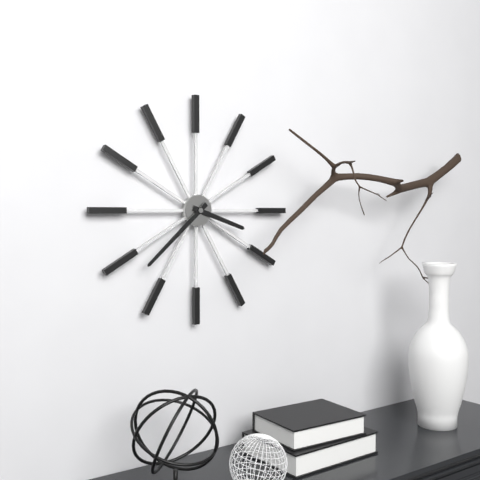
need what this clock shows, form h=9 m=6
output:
h=3 m=38
